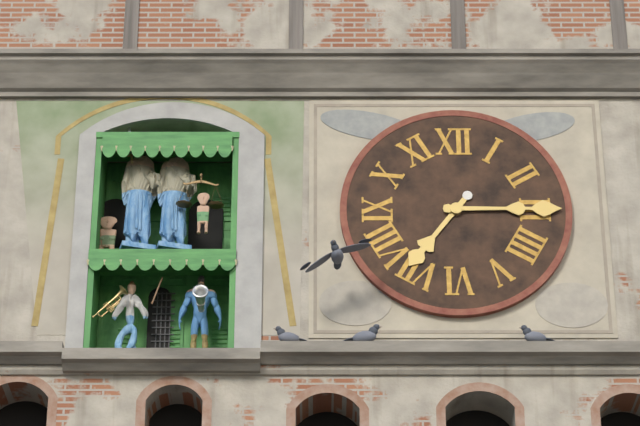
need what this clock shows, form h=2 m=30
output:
h=7 m=15
